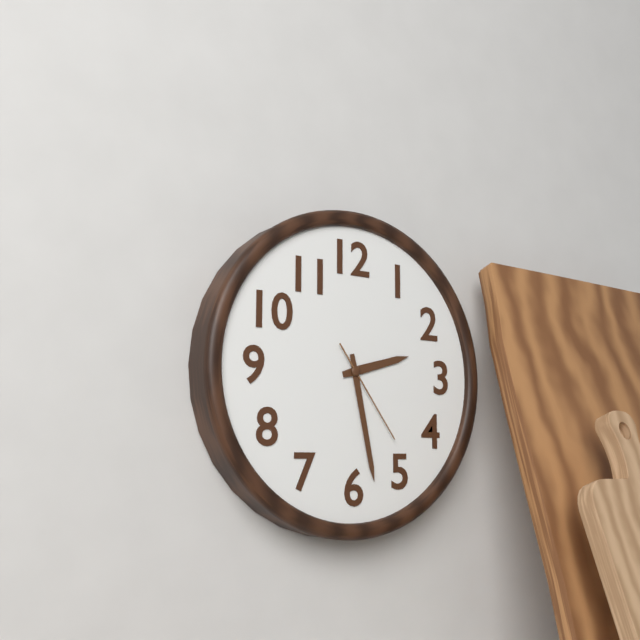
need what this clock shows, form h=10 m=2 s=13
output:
h=2 m=28 s=24
